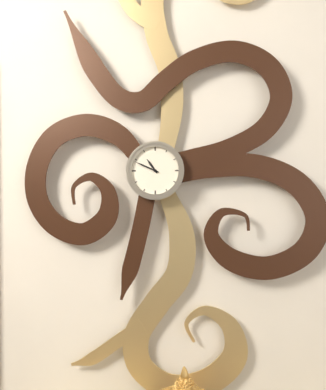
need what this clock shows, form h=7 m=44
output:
h=10 m=49
